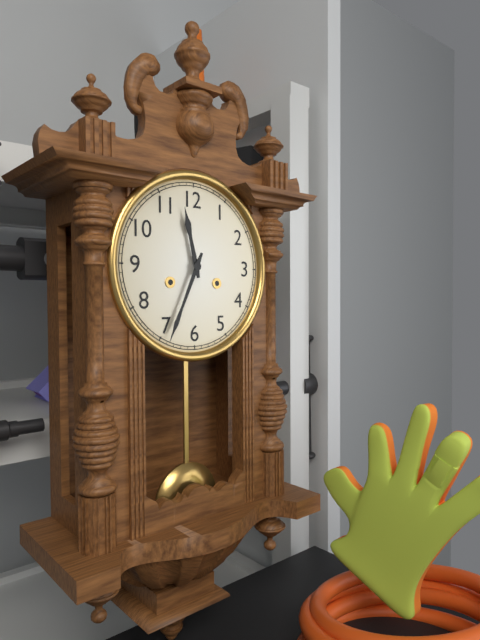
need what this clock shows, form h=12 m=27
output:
h=11 m=34
